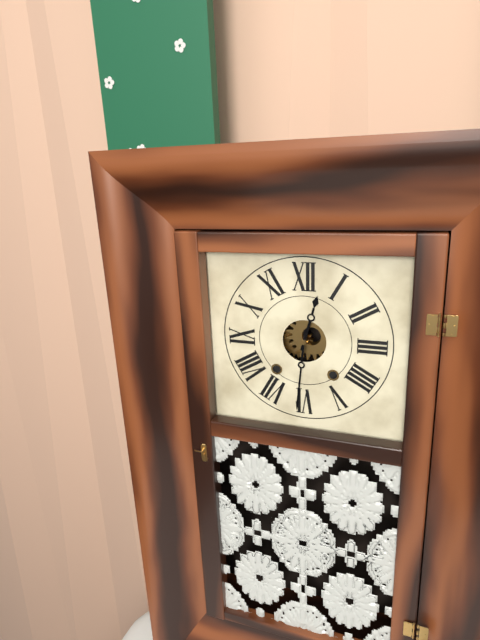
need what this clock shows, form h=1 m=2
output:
h=12 m=31
